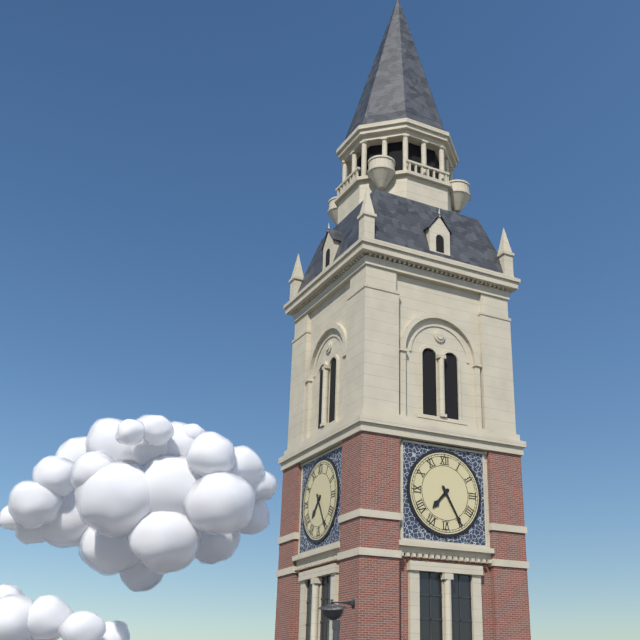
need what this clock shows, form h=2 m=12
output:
h=7 m=25
